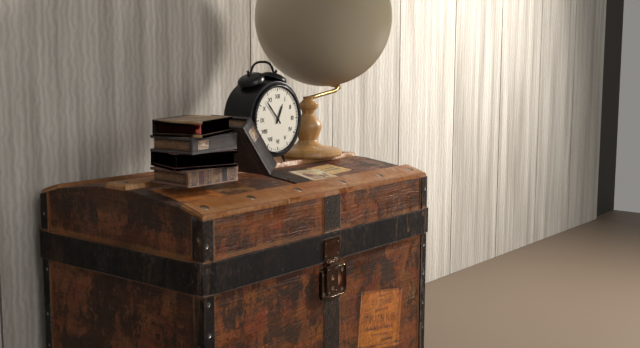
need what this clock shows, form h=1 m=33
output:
h=12 m=53
